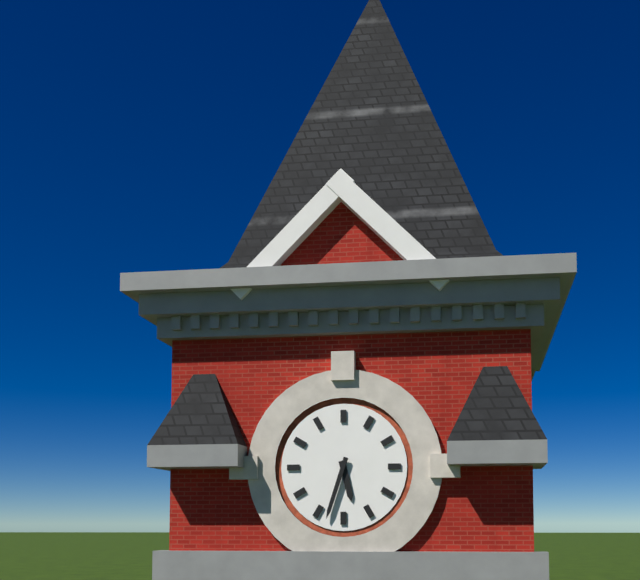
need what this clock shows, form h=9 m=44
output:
h=5 m=33
